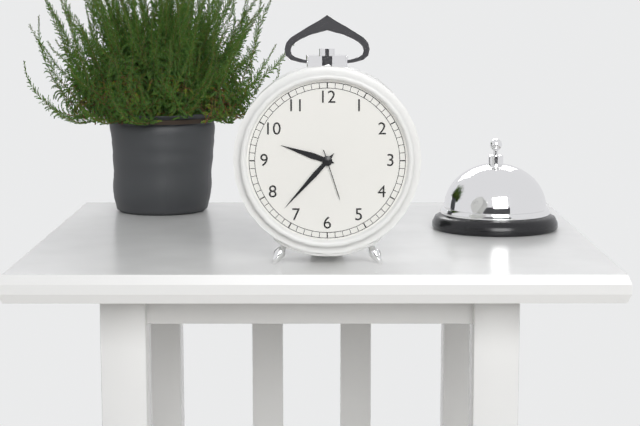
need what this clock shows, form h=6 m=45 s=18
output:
h=9 m=37 s=27
